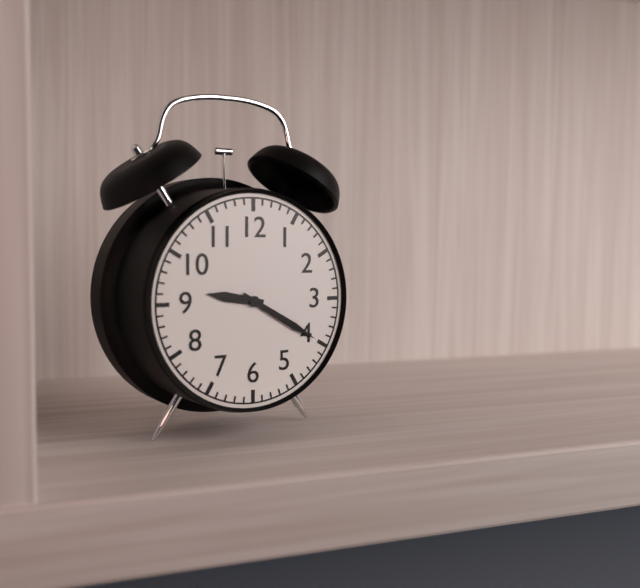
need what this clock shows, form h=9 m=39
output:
h=9 m=20
